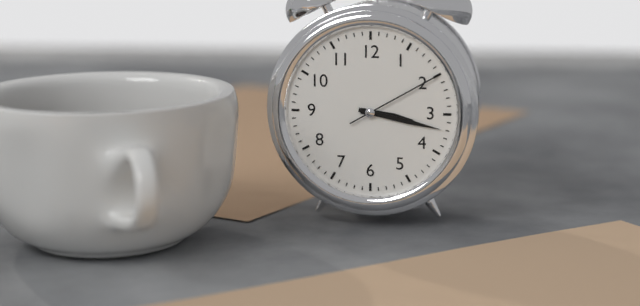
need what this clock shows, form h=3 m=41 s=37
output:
h=3 m=17 s=10
